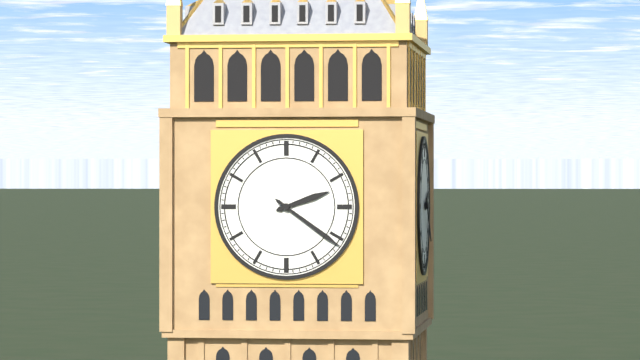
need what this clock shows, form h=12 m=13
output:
h=2 m=21
